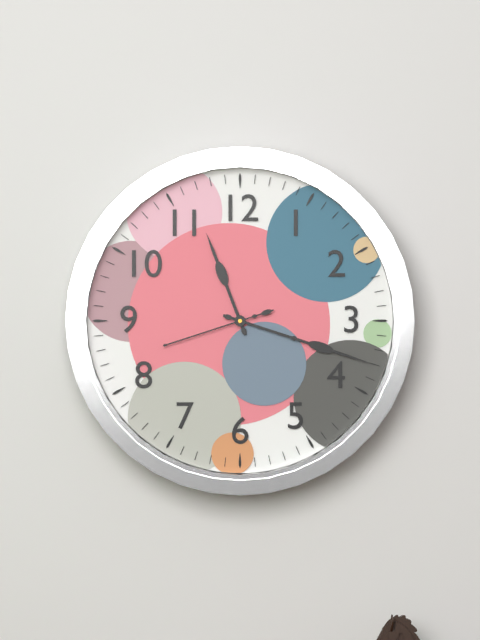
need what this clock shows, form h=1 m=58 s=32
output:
h=11 m=18 s=42
